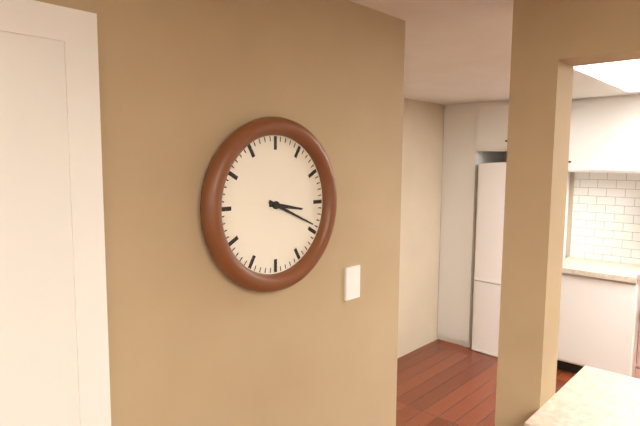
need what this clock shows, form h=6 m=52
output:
h=3 m=19
